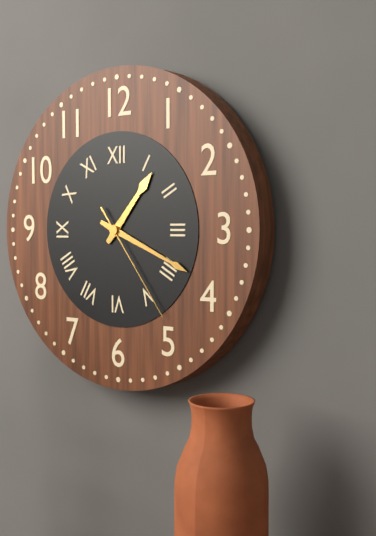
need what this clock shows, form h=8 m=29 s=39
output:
h=1 m=19 s=24
